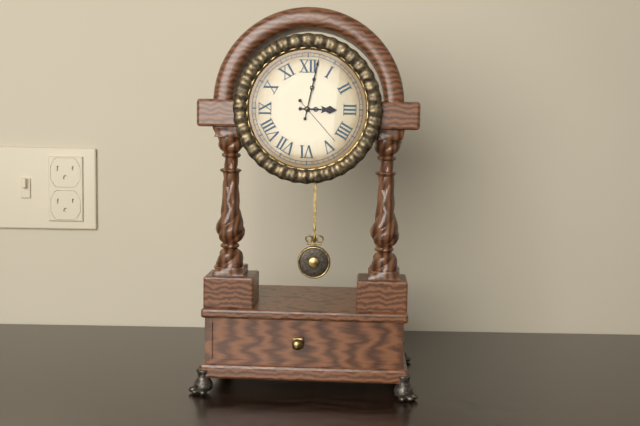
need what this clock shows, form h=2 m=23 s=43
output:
h=3 m=2 s=23
